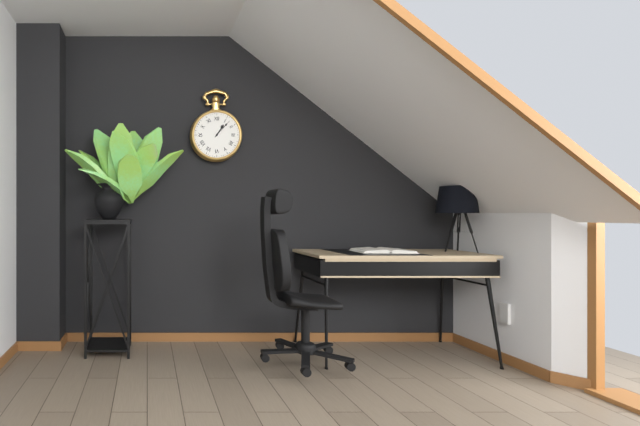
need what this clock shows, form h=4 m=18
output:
h=1 m=7
